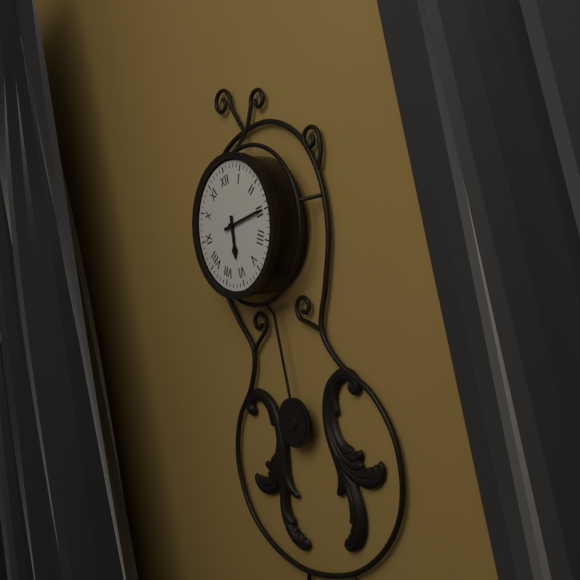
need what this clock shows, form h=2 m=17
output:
h=6 m=15
